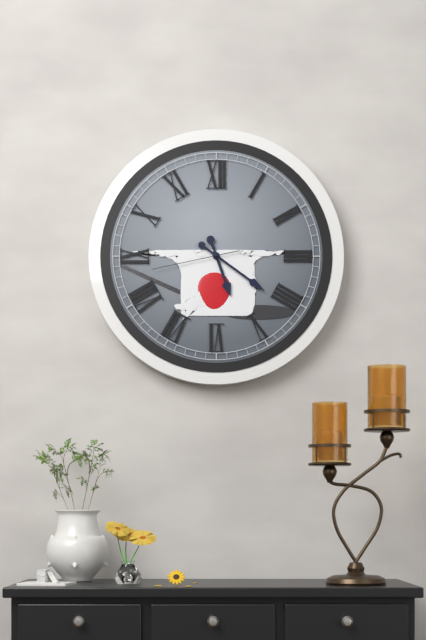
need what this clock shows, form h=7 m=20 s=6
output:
h=5 m=21 s=43
